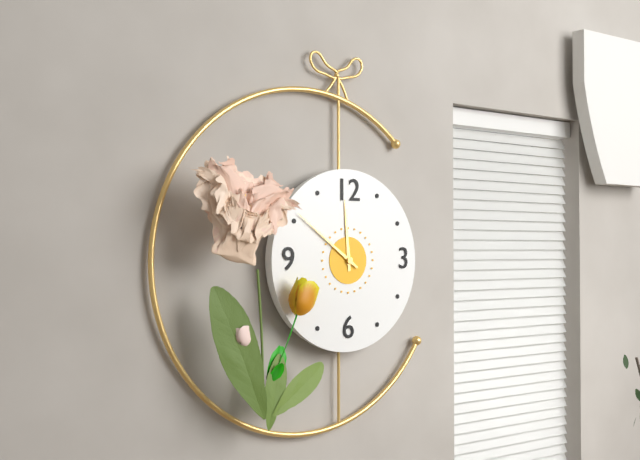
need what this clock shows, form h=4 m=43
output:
h=11 m=51
